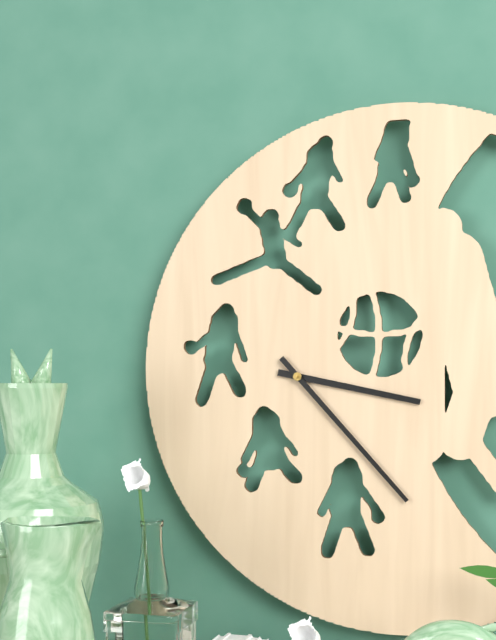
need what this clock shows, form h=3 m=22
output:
h=3 m=23
